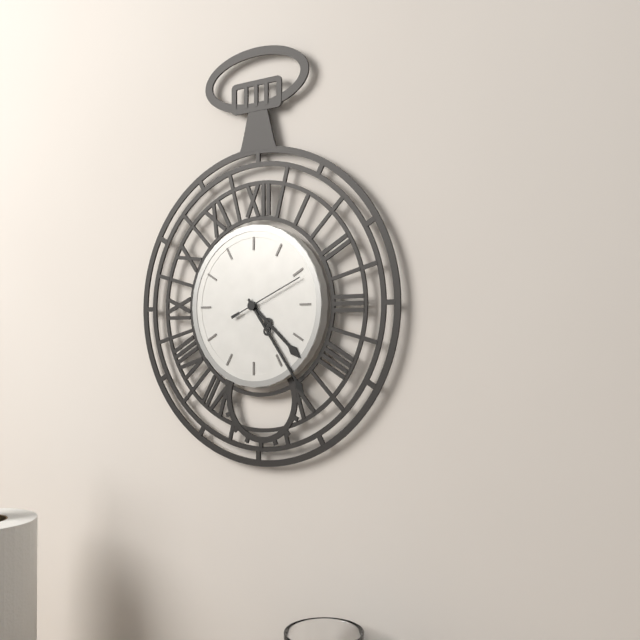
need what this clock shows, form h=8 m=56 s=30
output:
h=4 m=24 s=11
